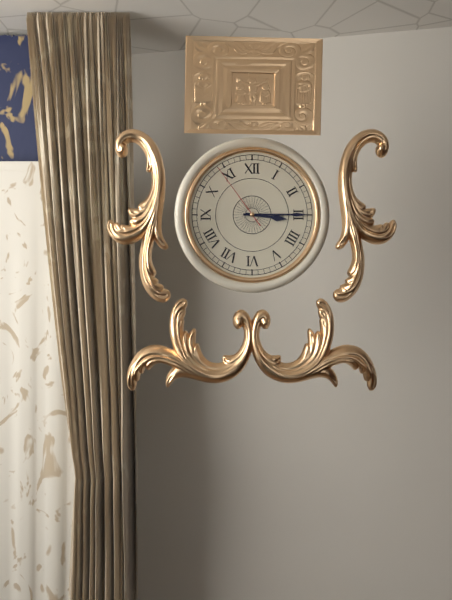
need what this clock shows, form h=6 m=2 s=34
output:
h=3 m=15 s=54
